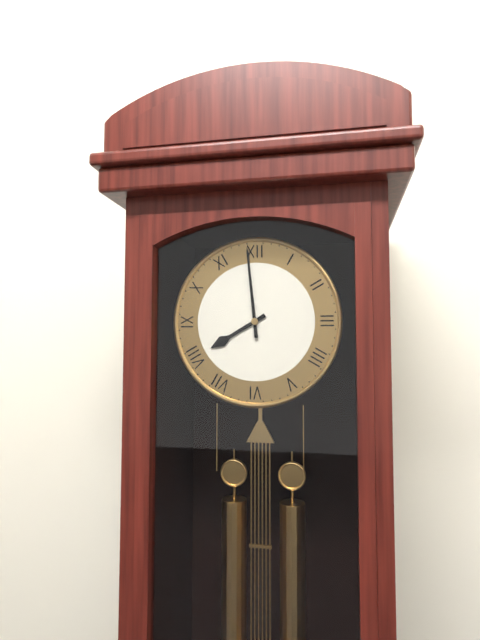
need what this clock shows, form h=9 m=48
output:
h=7 m=59
